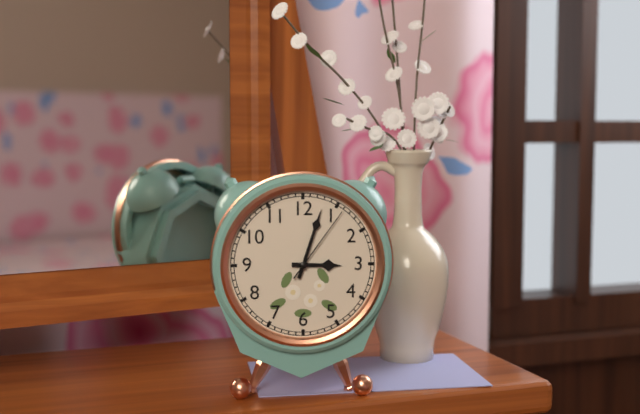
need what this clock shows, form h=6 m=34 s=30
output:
h=3 m=3 s=6
